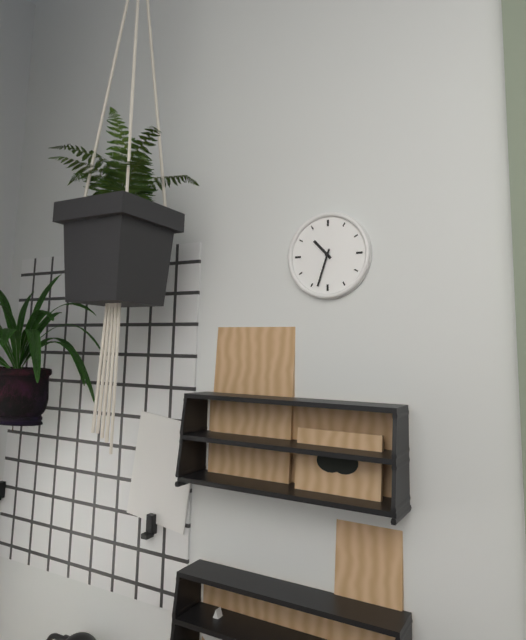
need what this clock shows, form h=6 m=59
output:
h=10 m=33
